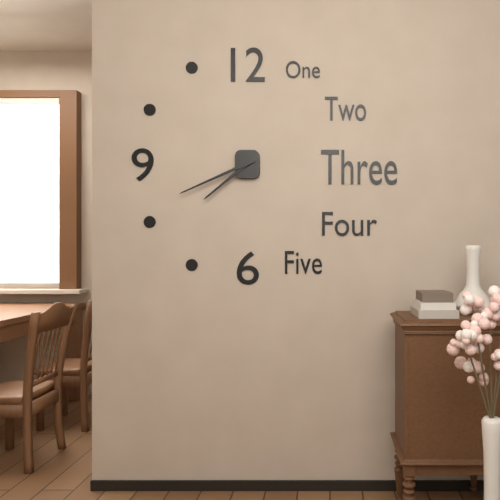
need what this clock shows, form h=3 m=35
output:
h=7 m=41
